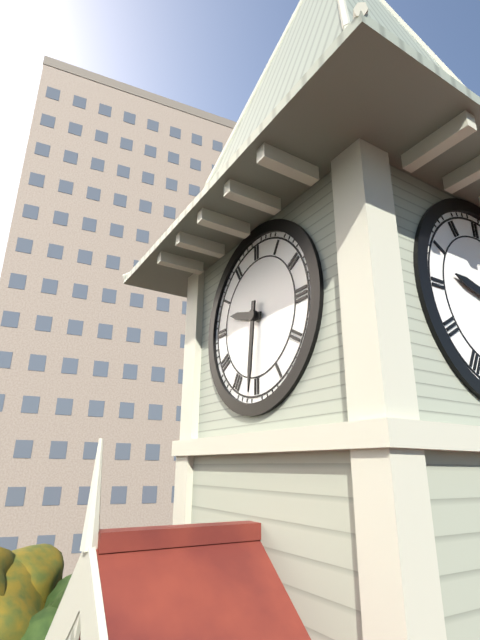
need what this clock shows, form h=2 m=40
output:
h=9 m=31
